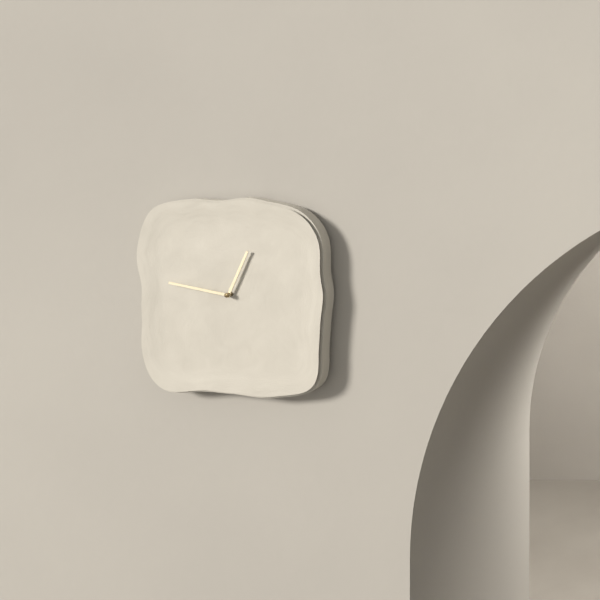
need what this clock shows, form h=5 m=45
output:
h=12 m=47
